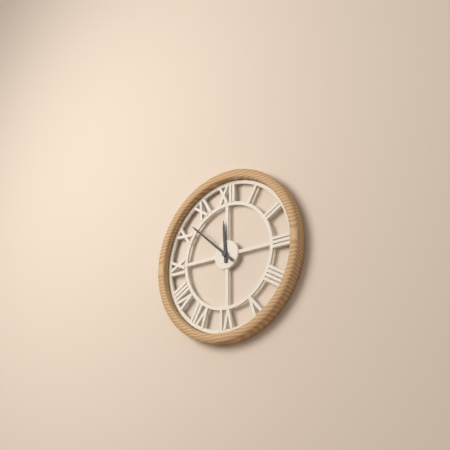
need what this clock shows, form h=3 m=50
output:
h=11 m=52
